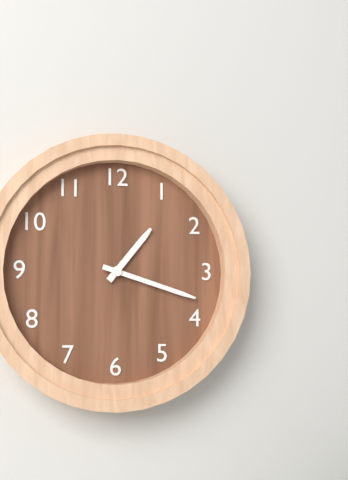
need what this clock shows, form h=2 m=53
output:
h=1 m=18
